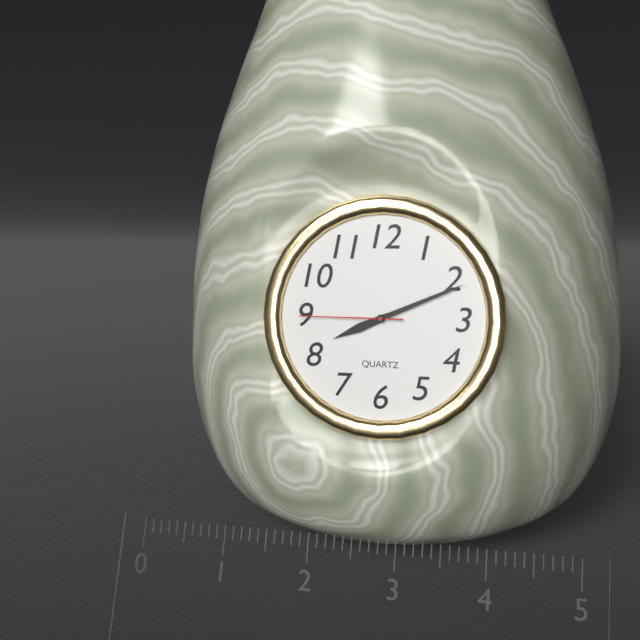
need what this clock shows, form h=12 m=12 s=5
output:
h=8 m=11 s=45
